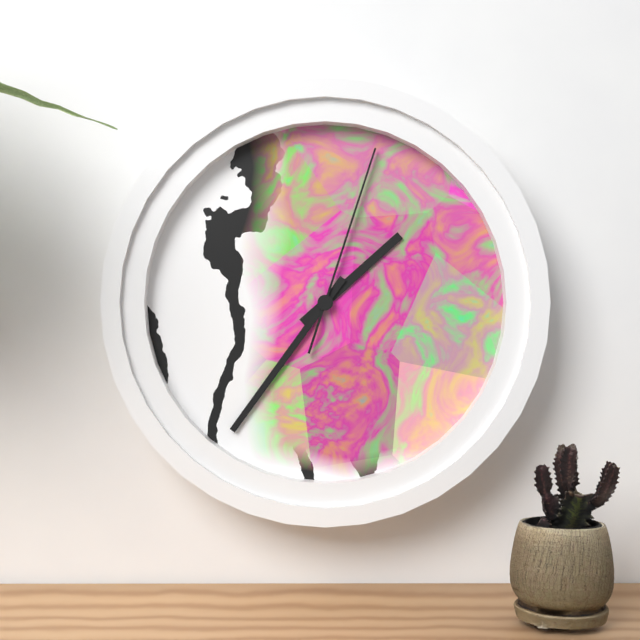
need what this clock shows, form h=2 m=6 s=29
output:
h=1 m=36 s=3
